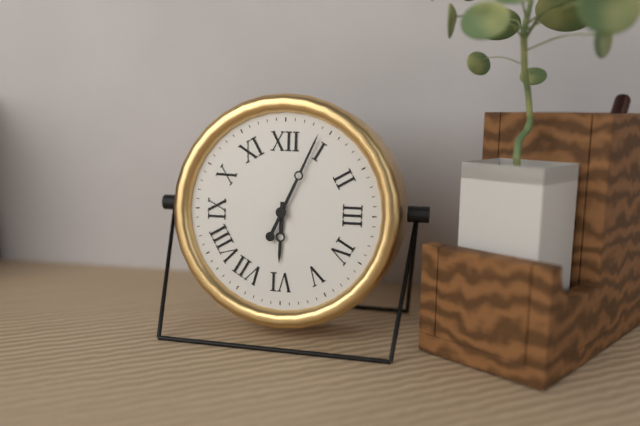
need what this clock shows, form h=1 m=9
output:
h=6 m=4
